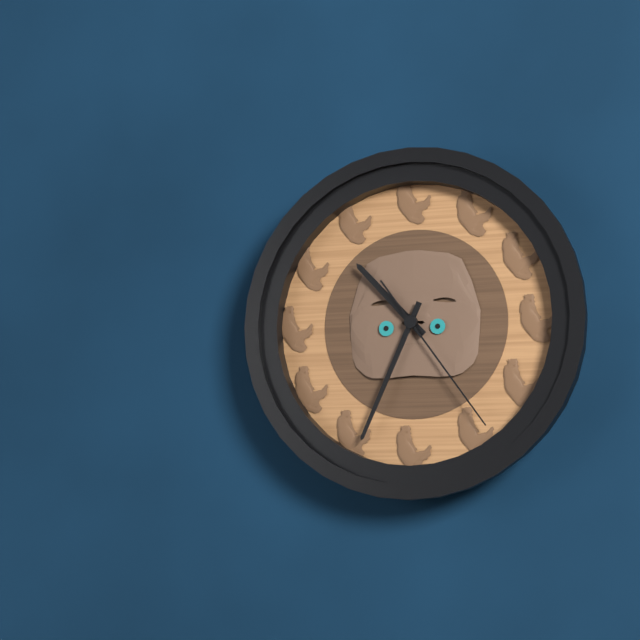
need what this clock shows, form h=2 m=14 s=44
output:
h=10 m=34 s=24
